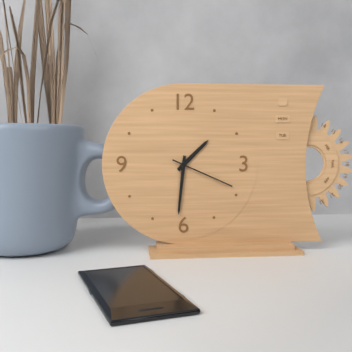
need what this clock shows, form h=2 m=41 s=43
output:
h=1 m=31 s=19
